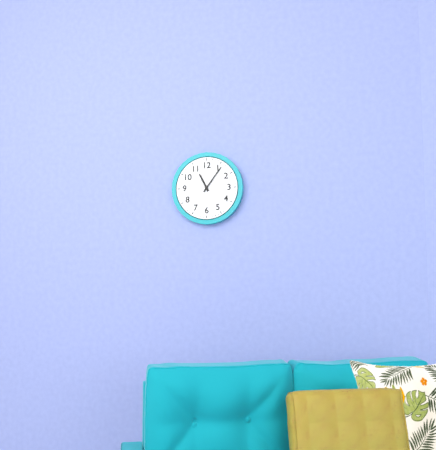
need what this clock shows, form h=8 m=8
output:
h=11 m=6
